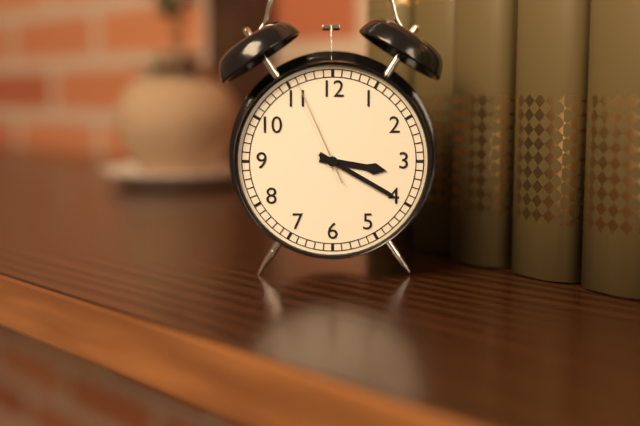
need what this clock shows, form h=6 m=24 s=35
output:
h=3 m=20 s=56
